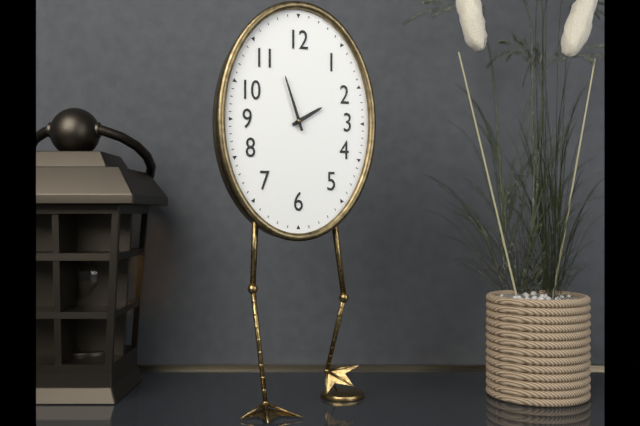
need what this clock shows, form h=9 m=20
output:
h=1 m=57
